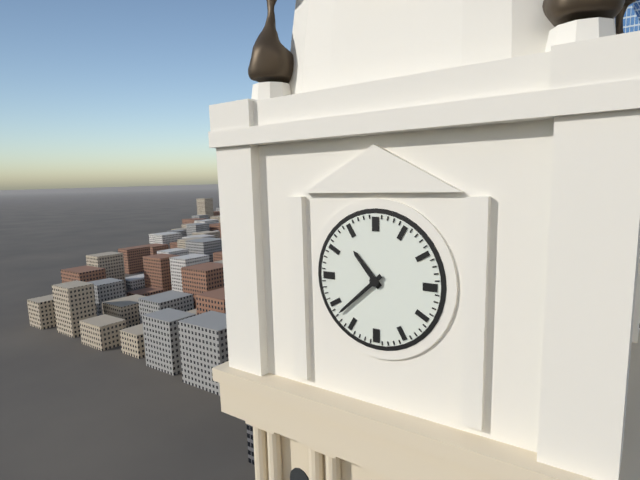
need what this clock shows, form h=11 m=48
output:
h=10 m=38
